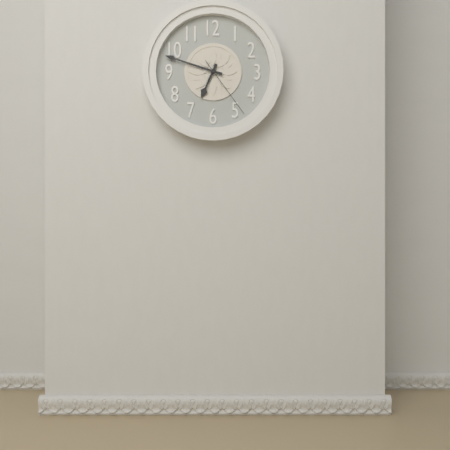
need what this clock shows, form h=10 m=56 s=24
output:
h=6 m=48 s=24
